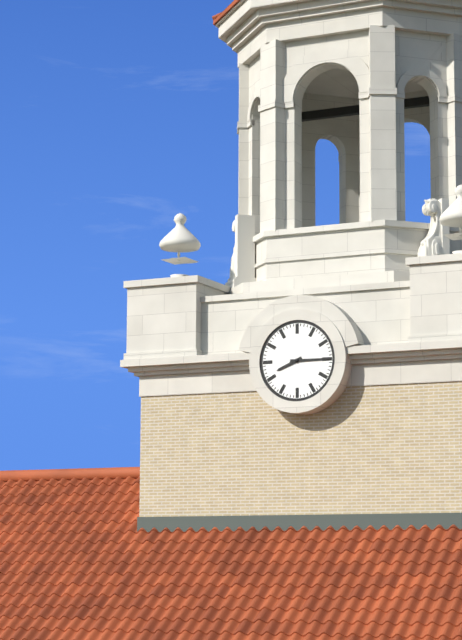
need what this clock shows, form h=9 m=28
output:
h=8 m=15
